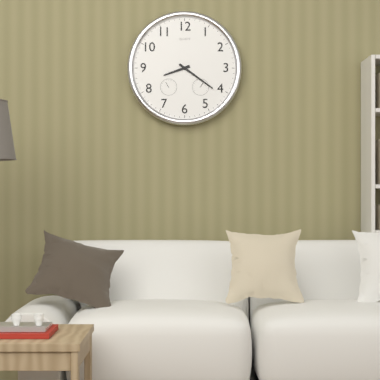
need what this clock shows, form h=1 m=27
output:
h=8 m=21
